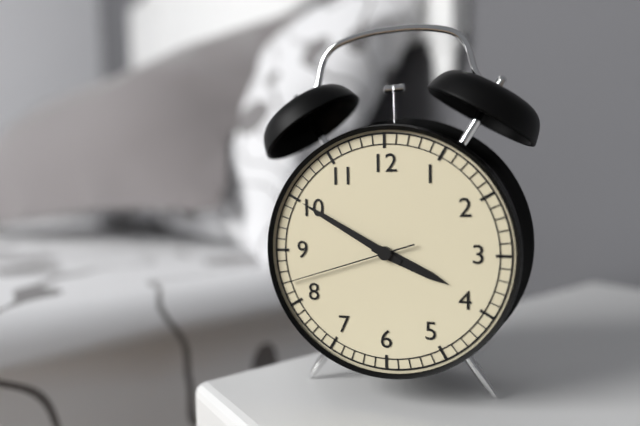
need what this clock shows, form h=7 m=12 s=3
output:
h=3 m=50 s=42
